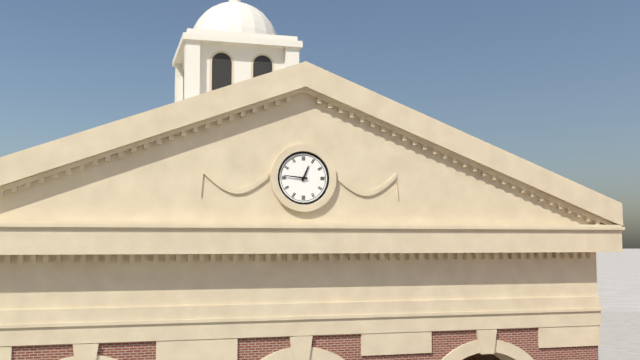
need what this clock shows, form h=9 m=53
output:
h=12 m=46
